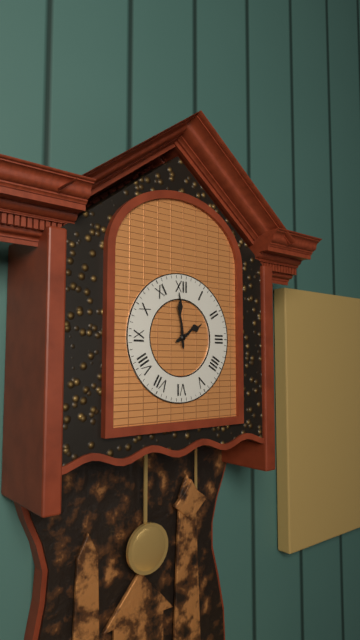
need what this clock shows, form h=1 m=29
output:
h=1 m=59
